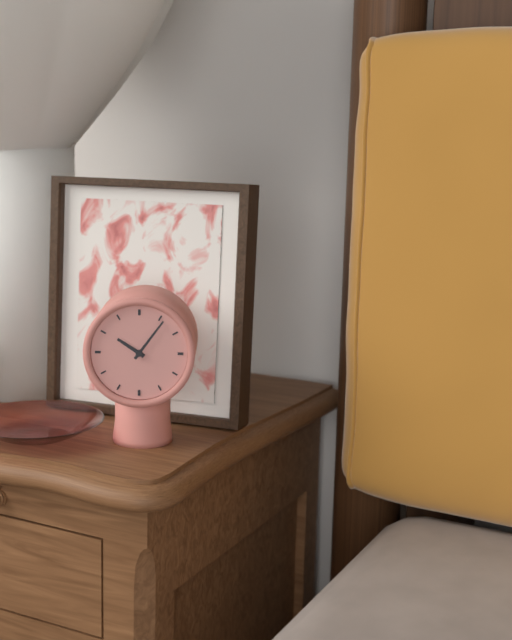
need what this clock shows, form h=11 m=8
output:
h=10 m=6
